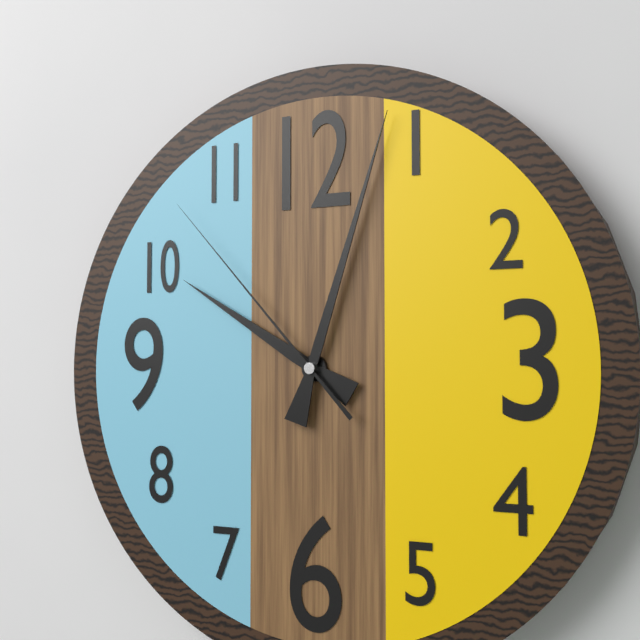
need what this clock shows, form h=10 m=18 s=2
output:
h=10 m=3 s=53
